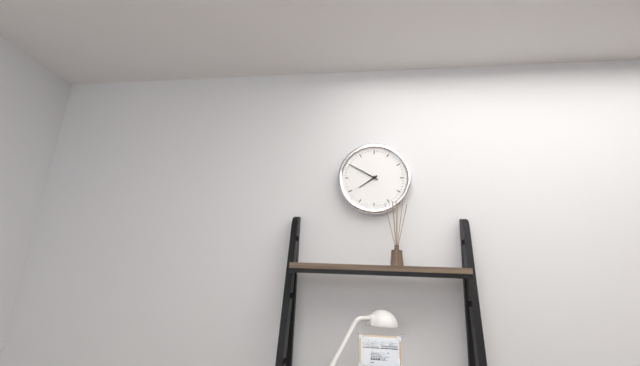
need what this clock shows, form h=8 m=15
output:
h=7 m=50
